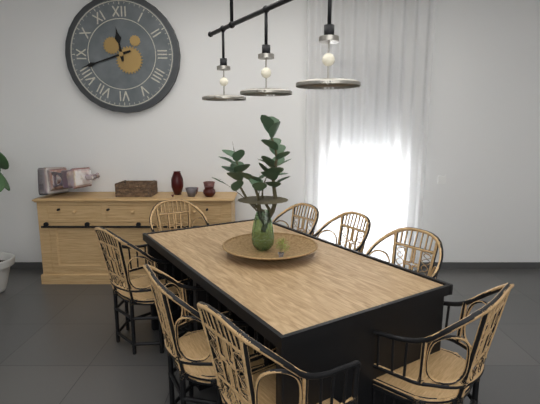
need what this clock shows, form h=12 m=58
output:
h=11 m=42
